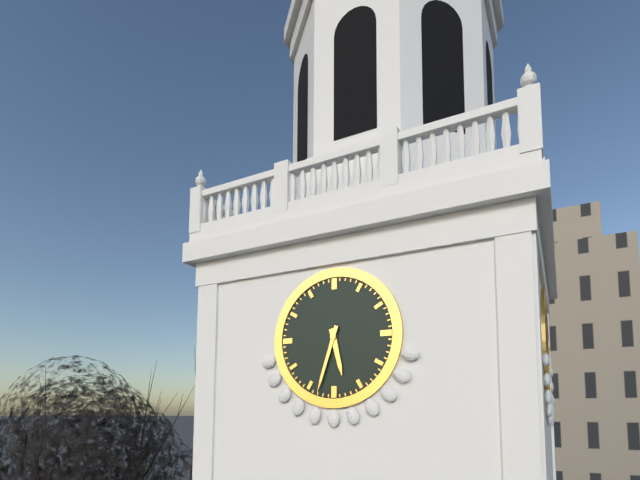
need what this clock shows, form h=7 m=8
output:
h=5 m=33
